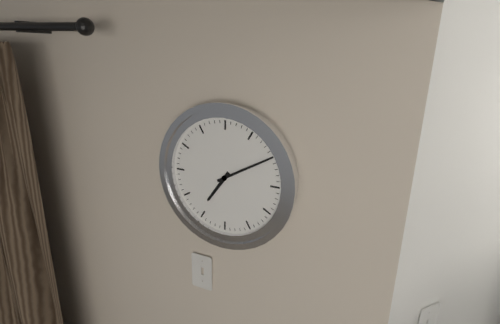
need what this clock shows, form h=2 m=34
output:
h=7 m=10
